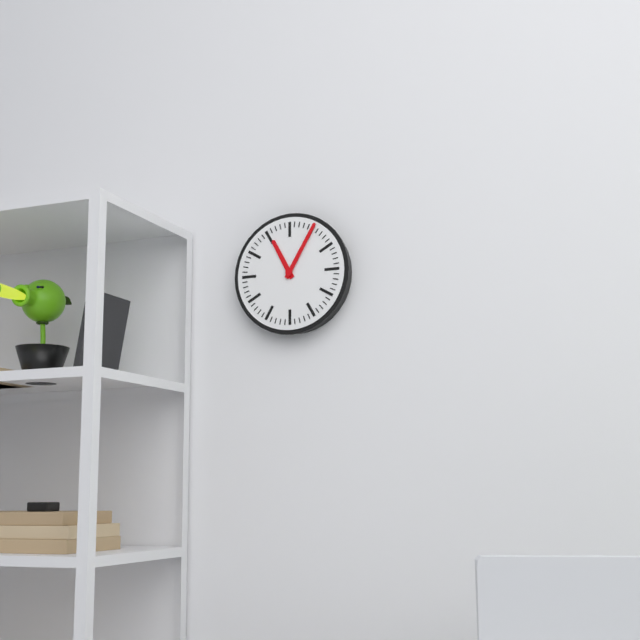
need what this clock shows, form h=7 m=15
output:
h=11 m=5
